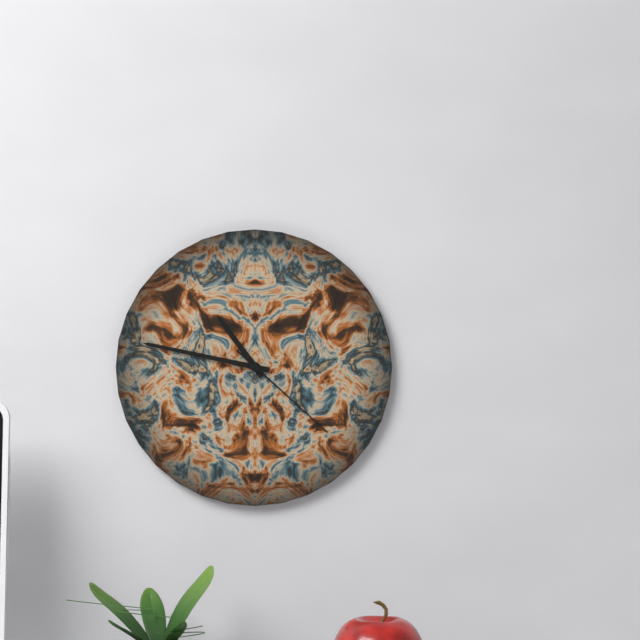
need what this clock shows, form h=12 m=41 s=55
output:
h=10 m=47 s=22
